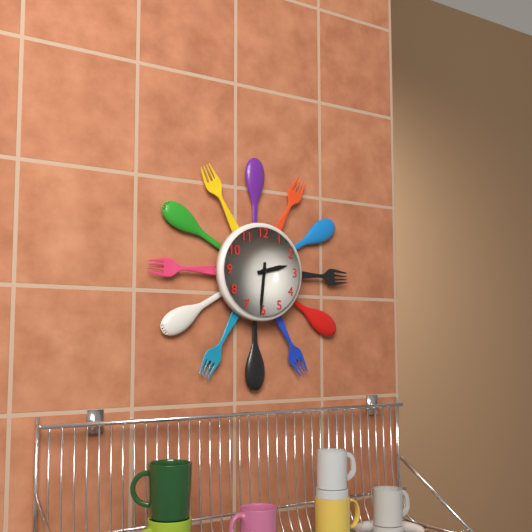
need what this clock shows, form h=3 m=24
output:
h=2 m=31
